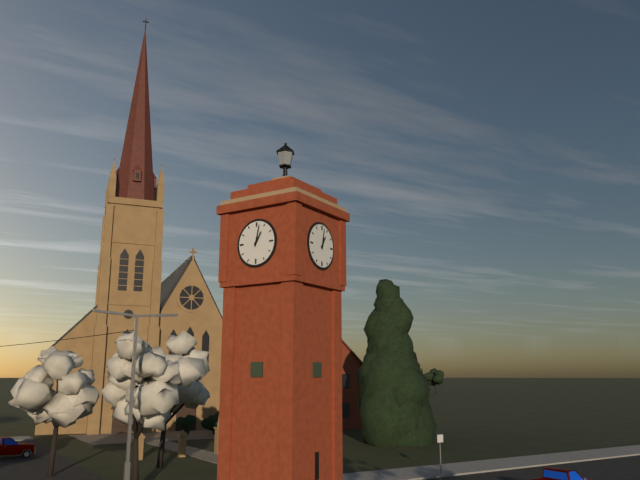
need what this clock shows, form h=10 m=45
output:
h=1 m=2
